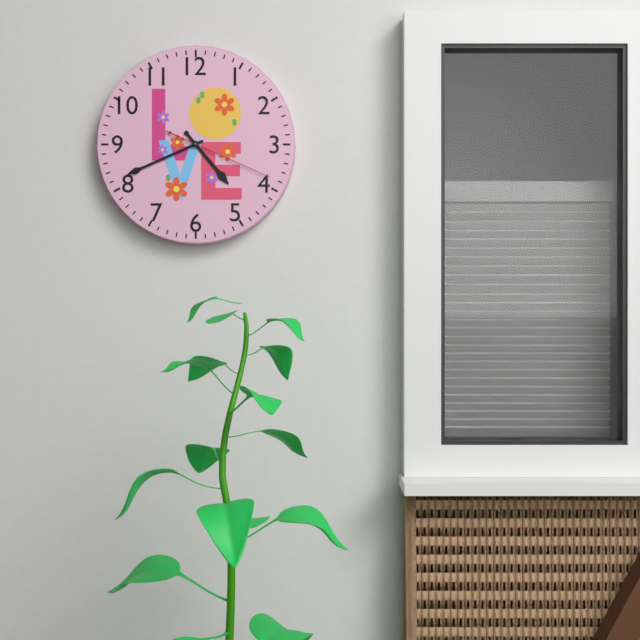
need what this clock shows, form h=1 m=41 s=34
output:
h=4 m=41 s=19
